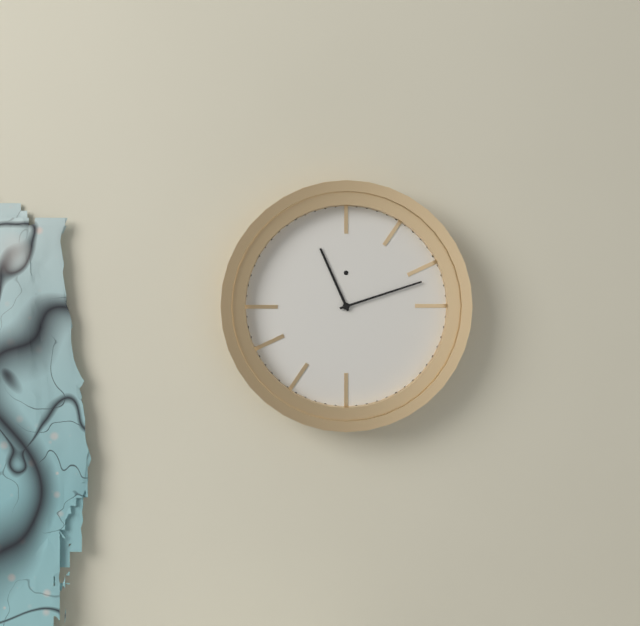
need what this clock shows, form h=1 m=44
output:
h=11 m=12
